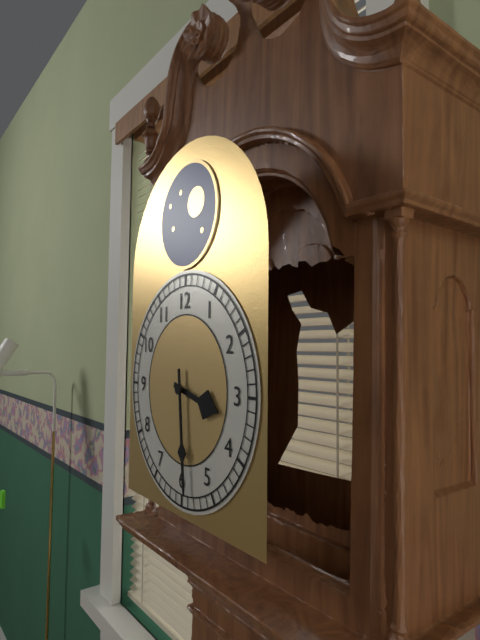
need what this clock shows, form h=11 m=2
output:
h=3 m=29
